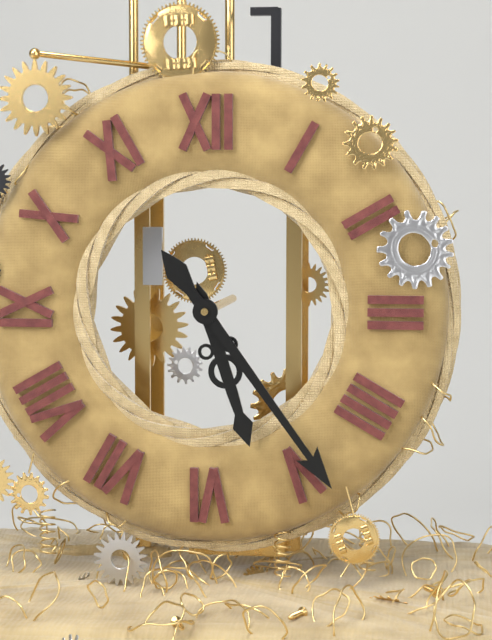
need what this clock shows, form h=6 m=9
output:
h=5 m=24
